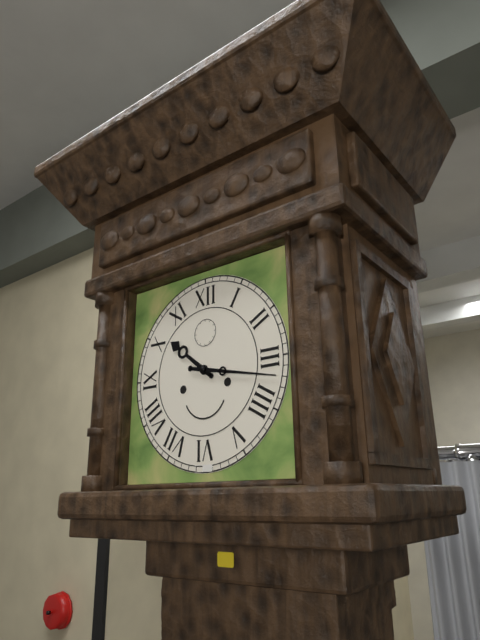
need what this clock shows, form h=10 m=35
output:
h=10 m=17
